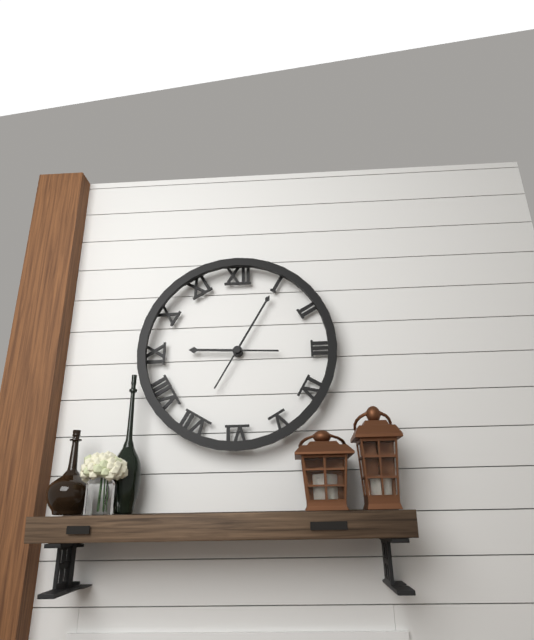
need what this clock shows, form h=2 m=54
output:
h=9 m=5
